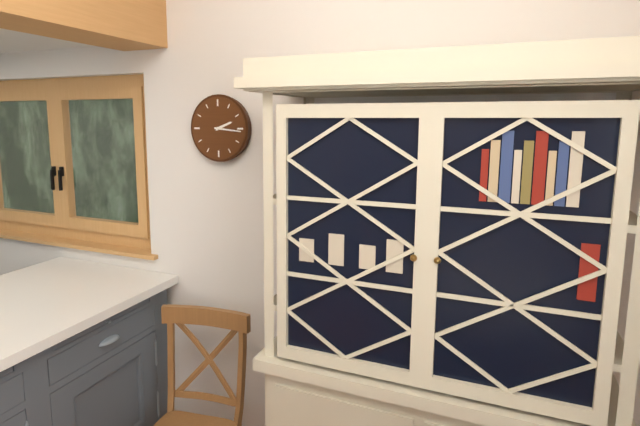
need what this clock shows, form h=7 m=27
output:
h=2 m=16
